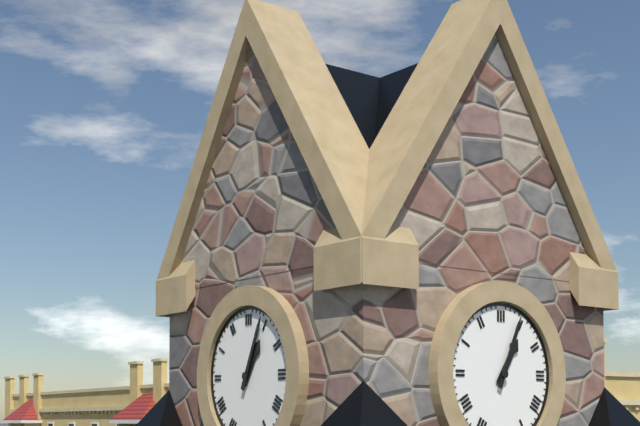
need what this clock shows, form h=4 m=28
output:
h=1 m=4
